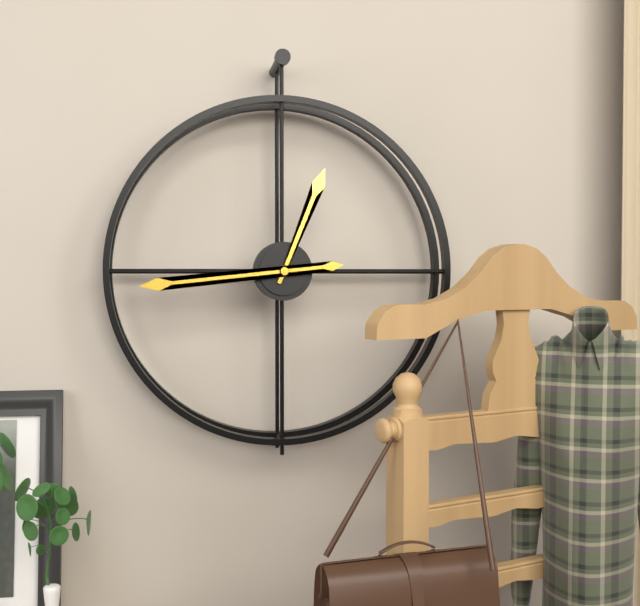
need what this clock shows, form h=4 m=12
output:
h=12 m=44
